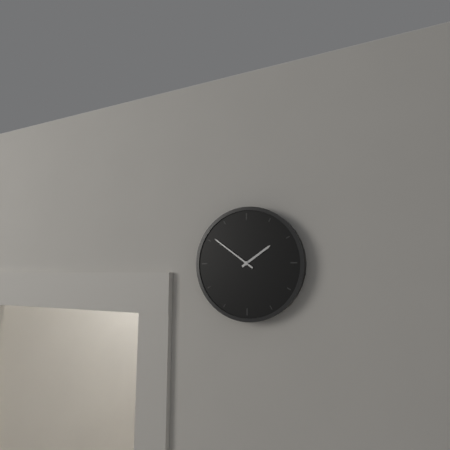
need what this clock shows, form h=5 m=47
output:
h=1 m=51
